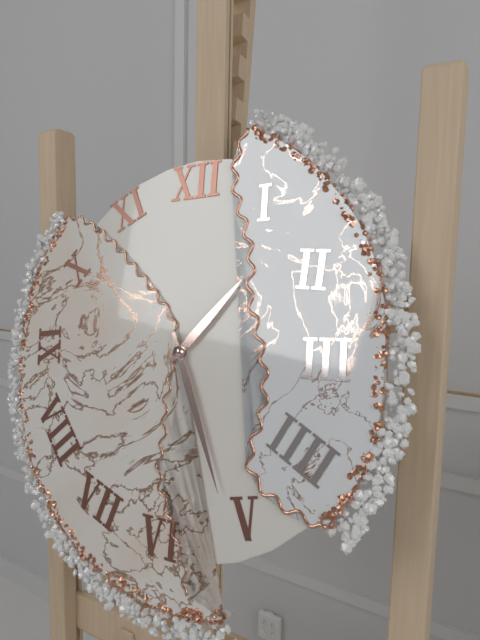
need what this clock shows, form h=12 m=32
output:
h=1 m=26
